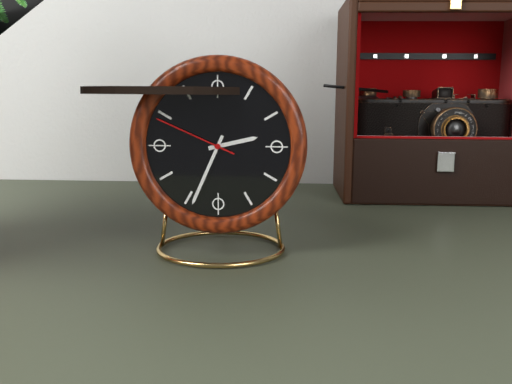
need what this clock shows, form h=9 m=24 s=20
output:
h=2 m=34 s=49
